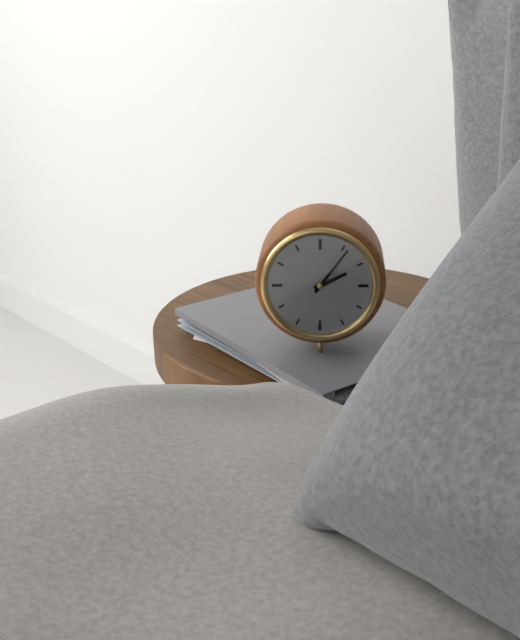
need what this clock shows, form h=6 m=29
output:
h=2 m=6
